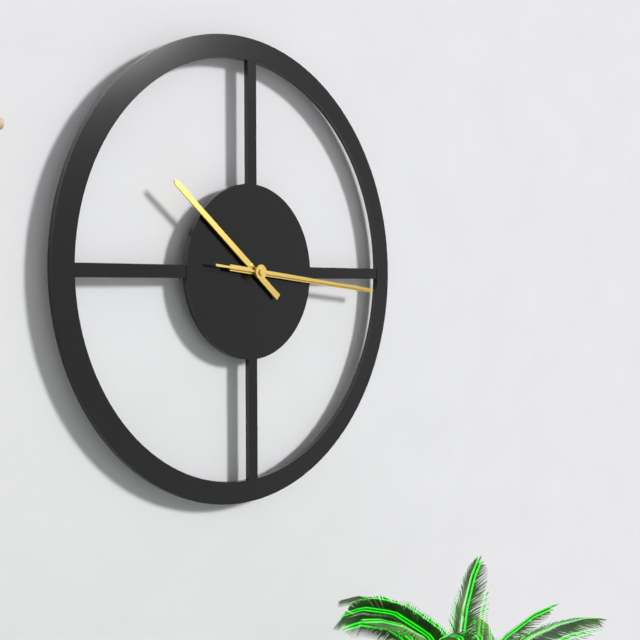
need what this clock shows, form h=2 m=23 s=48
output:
h=10 m=16 s=16
